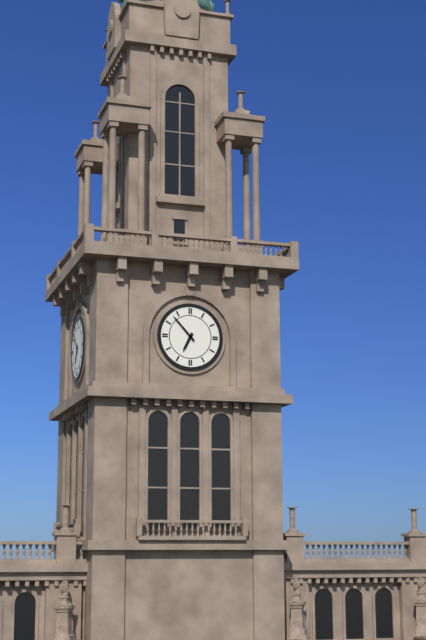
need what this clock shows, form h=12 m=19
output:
h=6 m=53
